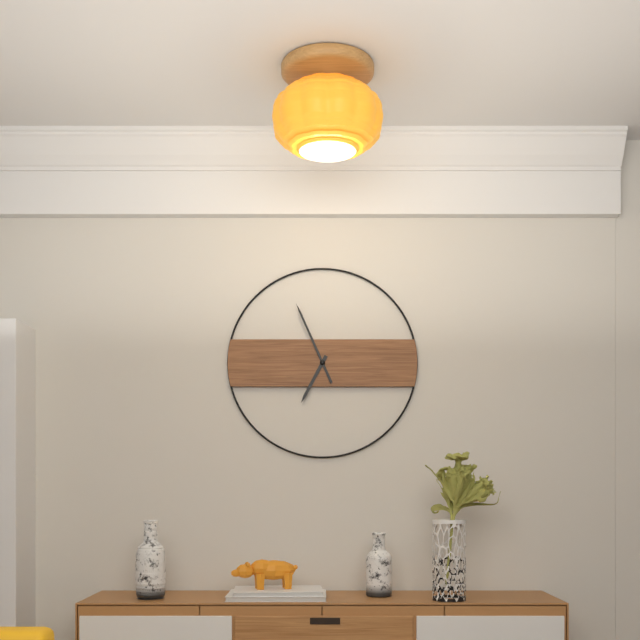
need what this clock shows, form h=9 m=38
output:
h=6 m=56
